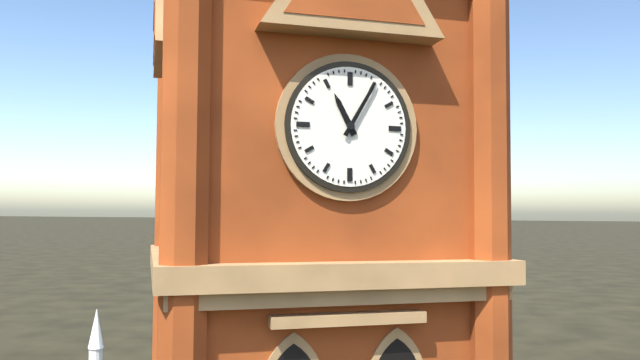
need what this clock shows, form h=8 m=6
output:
h=11 m=5
